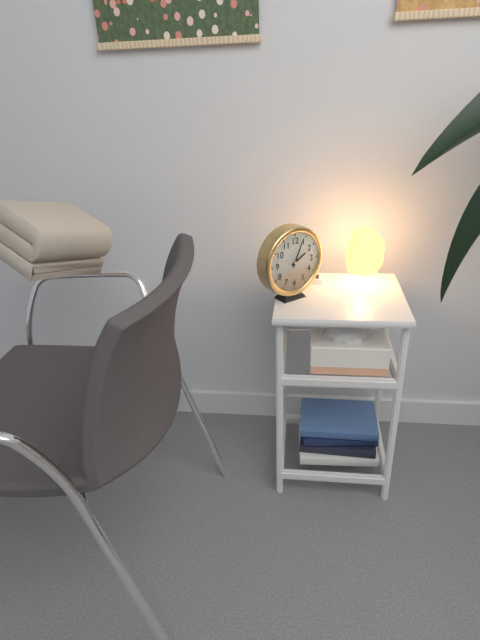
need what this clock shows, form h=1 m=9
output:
h=2 m=4
